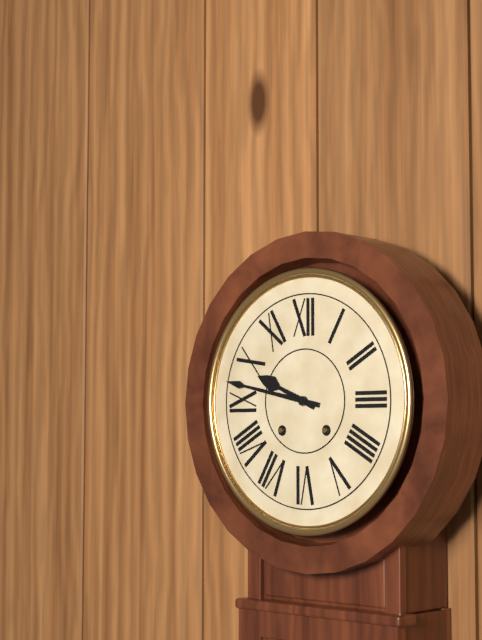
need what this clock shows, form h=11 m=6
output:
h=9 m=47
